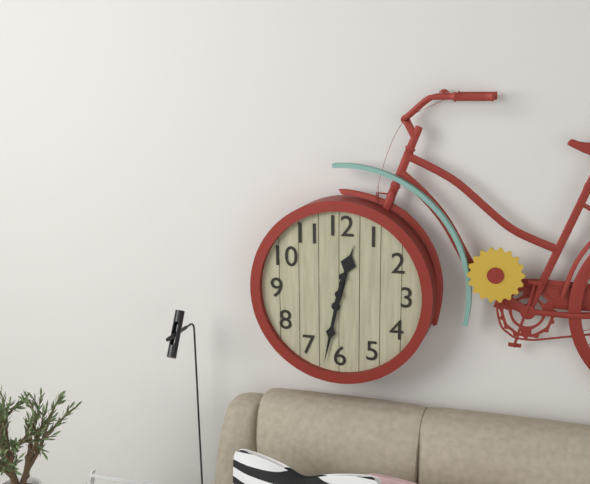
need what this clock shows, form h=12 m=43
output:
h=12 m=32
